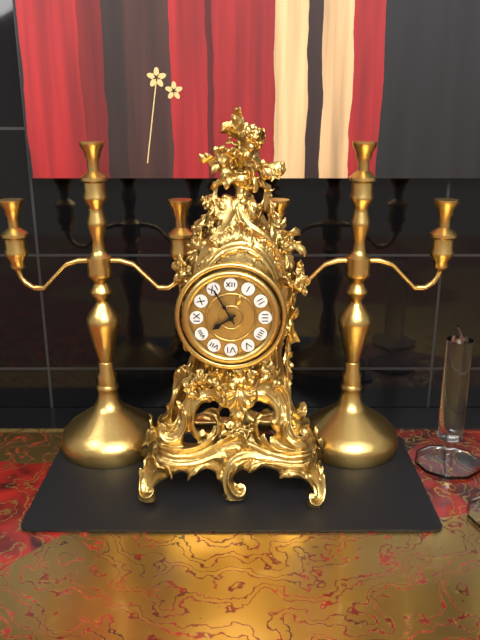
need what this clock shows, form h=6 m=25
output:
h=7 m=55
